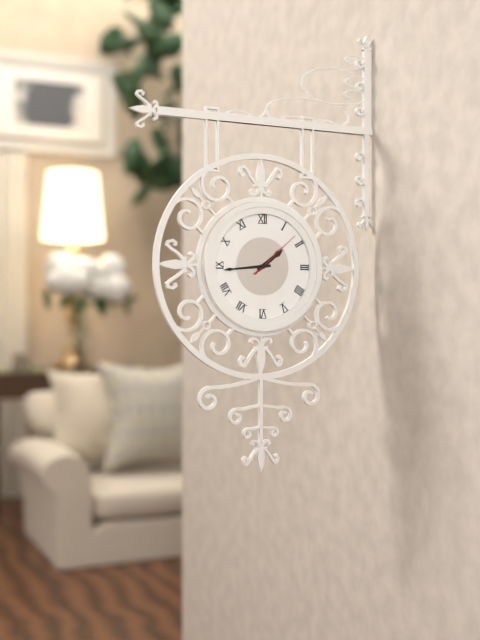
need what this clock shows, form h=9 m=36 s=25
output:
h=1 m=44 s=8
